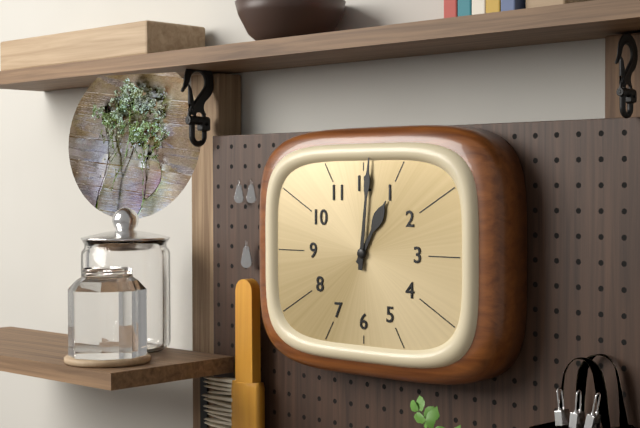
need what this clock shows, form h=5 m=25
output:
h=1 m=1
